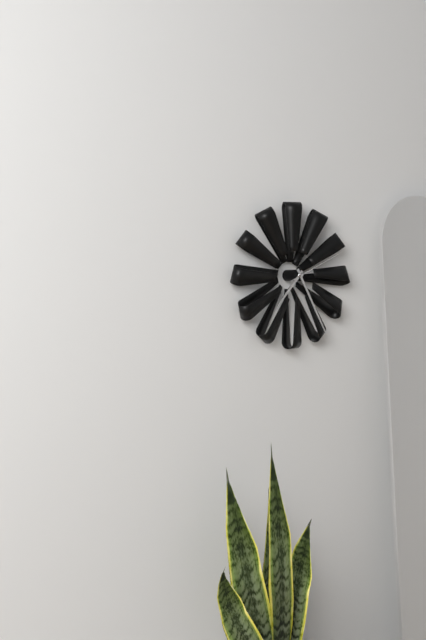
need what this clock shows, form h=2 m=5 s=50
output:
h=7 m=25 s=11
